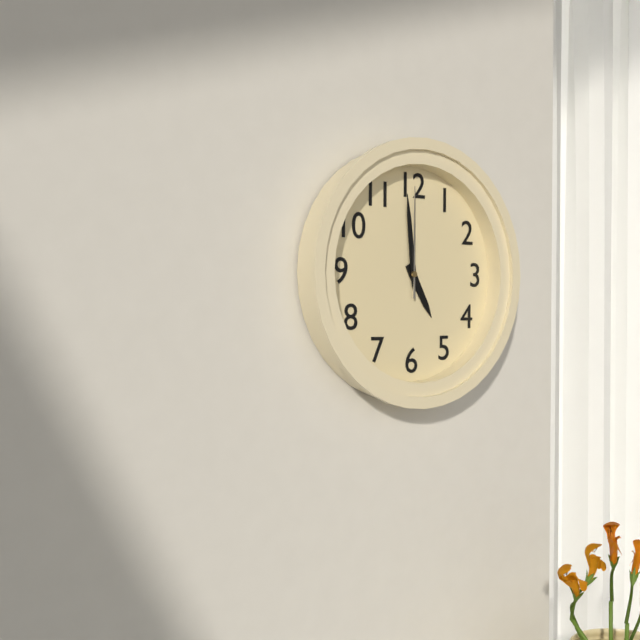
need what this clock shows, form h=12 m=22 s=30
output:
h=4 m=59 s=0
